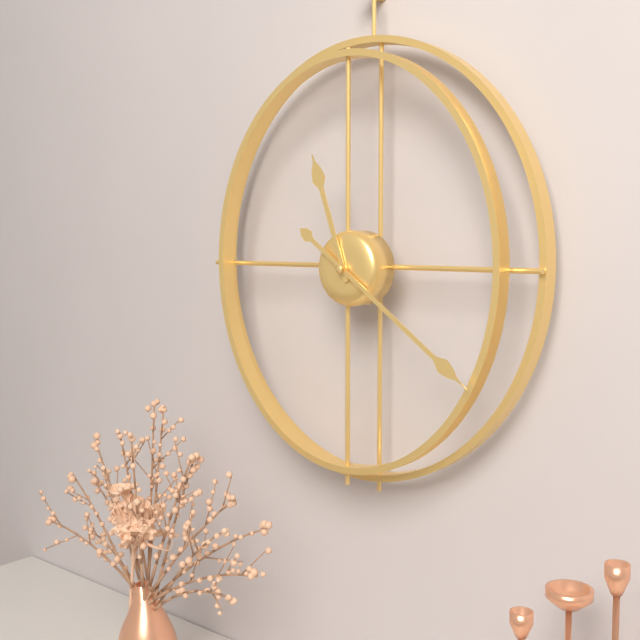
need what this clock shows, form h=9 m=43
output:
h=11 m=21
